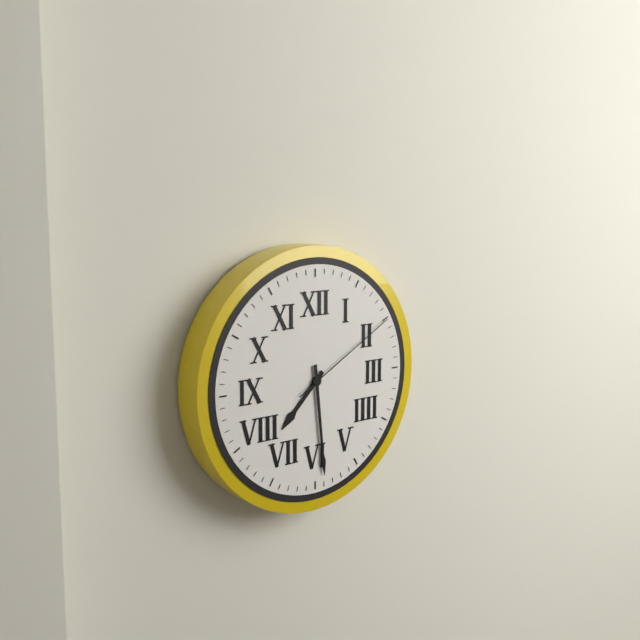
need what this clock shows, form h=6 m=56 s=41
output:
h=7 m=29 s=10
